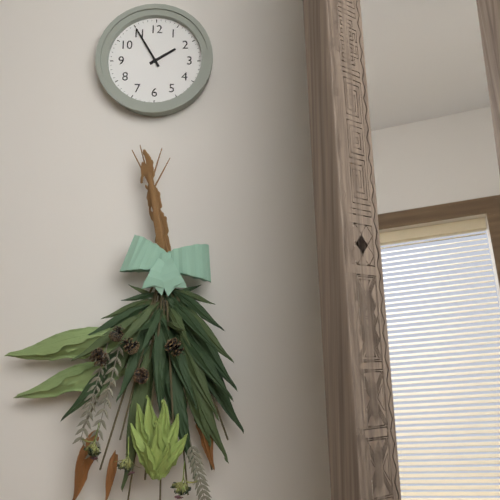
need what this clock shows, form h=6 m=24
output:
h=1 m=55
